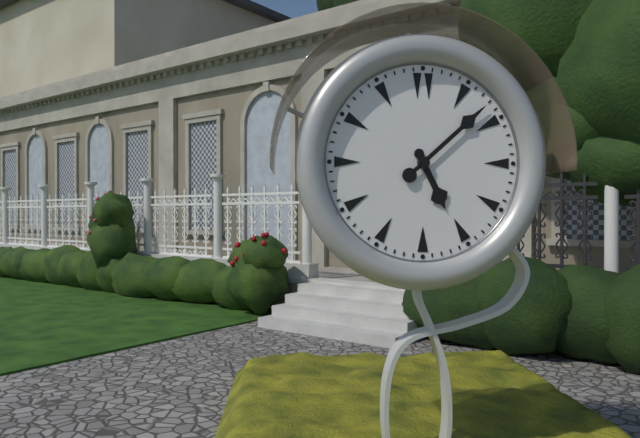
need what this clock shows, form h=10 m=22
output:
h=5 m=8
